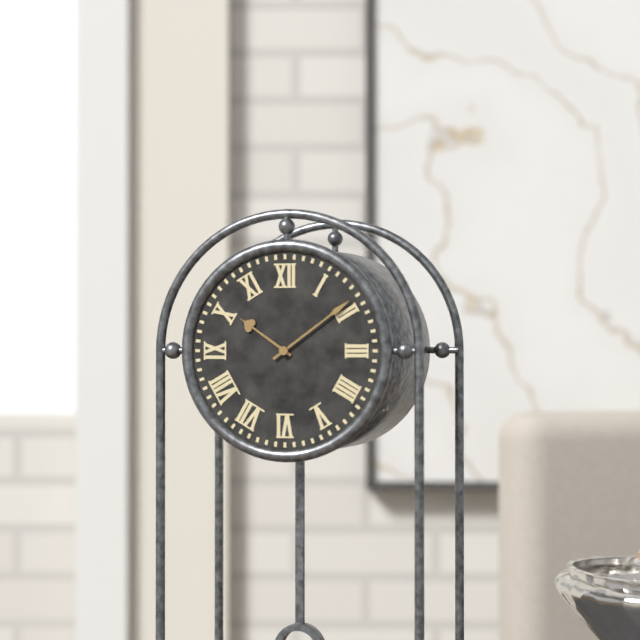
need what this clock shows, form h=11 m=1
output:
h=10 m=9
